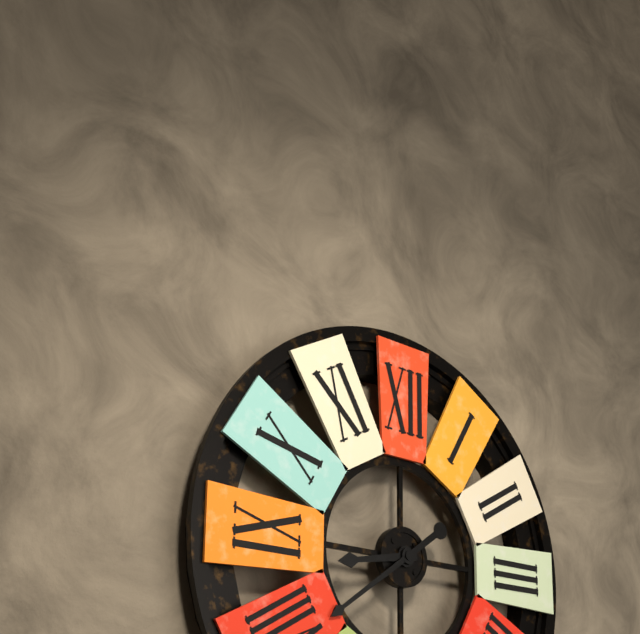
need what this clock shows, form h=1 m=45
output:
h=8 m=39
